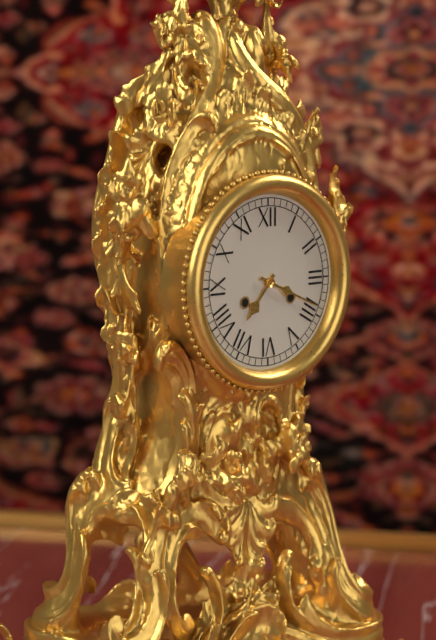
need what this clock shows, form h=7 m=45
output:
h=7 m=19
